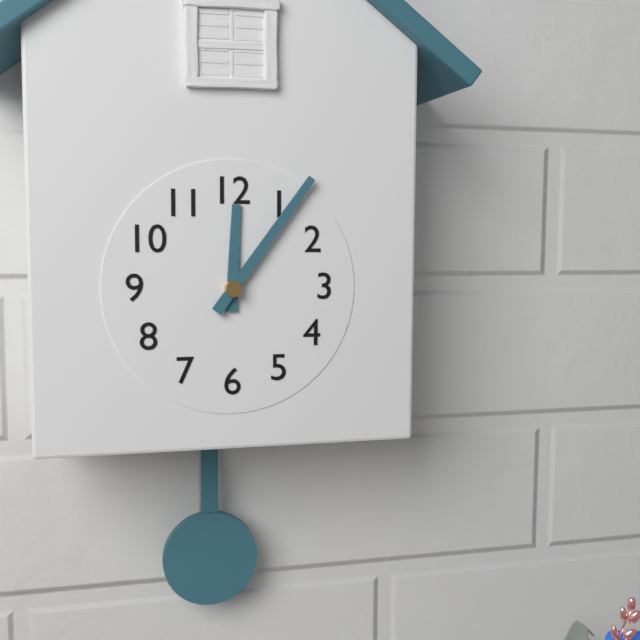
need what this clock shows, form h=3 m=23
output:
h=12 m=6
